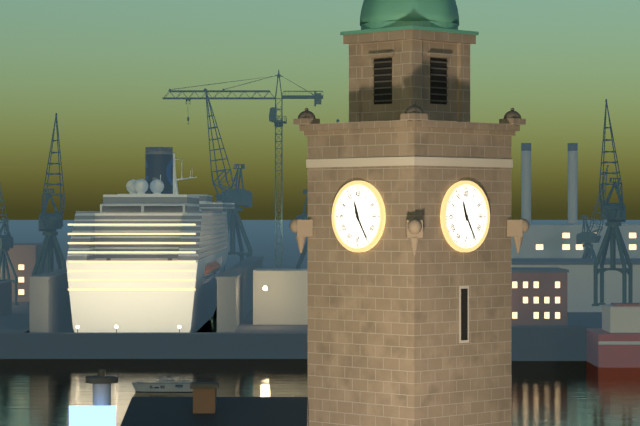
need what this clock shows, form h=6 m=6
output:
h=11 m=25
